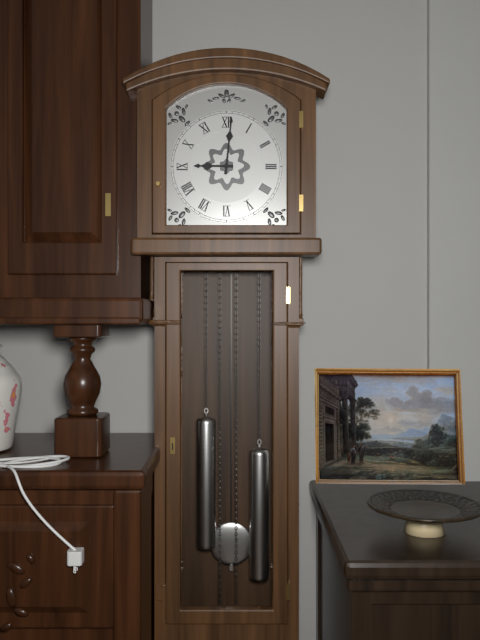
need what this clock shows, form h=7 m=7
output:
h=9 m=1
